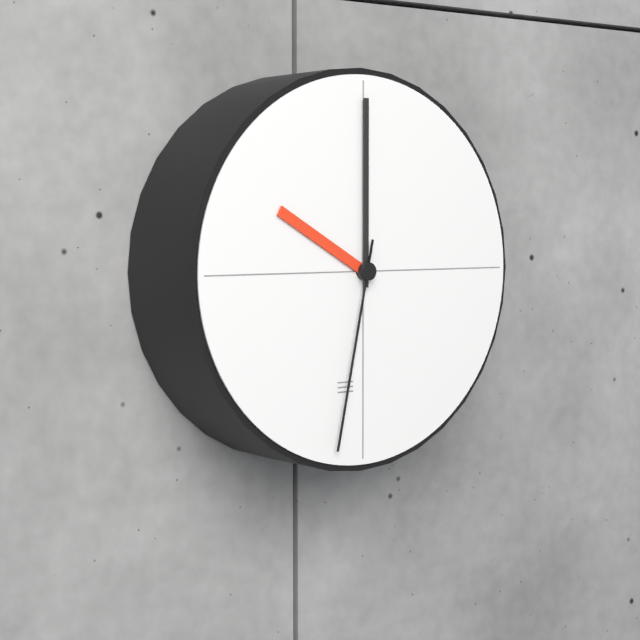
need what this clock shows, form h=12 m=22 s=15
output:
h=10 m=0 s=32
